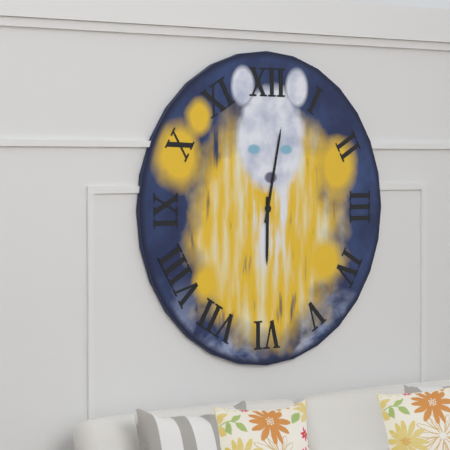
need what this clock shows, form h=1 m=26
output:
h=6 m=2
